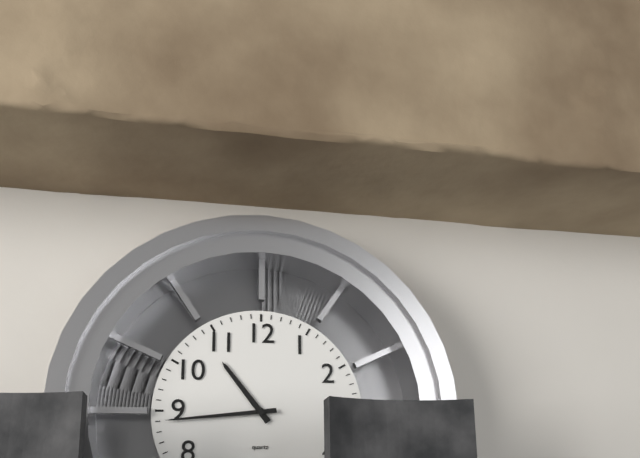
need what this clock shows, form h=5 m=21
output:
h=10 m=44
